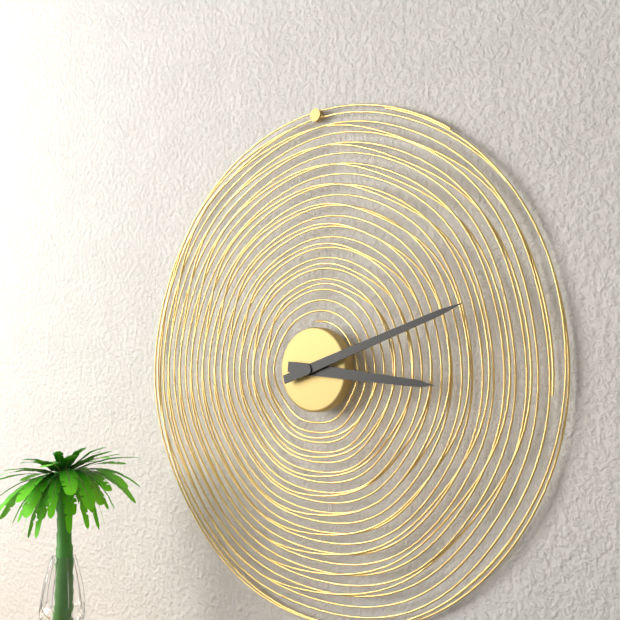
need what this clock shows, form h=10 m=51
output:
h=3 m=12
